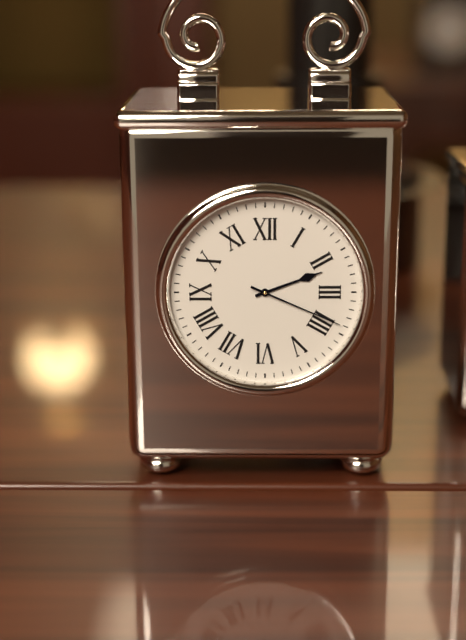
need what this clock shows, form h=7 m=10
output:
h=2 m=19
